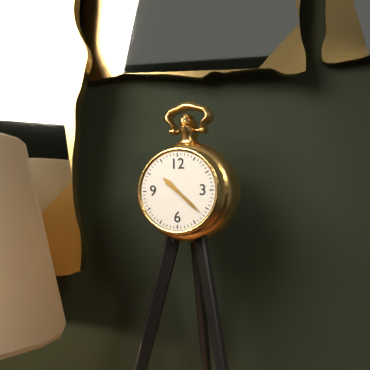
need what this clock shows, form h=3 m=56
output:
h=10 m=22
